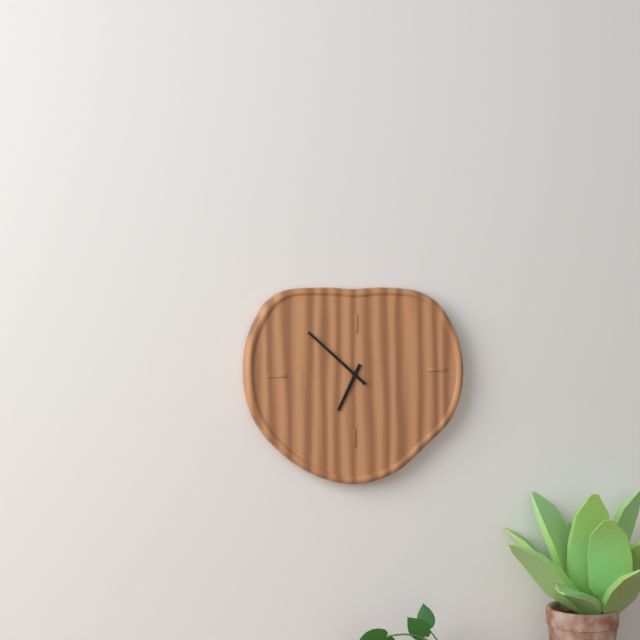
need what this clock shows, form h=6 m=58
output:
h=6 m=52
